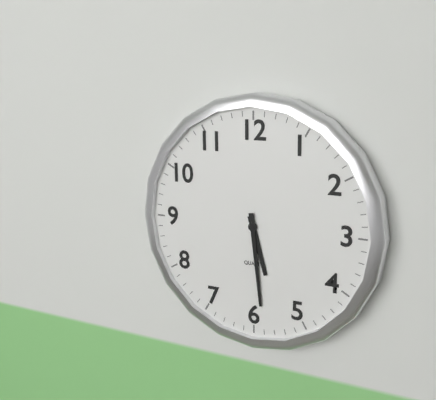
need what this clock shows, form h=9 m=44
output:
h=5 m=29
